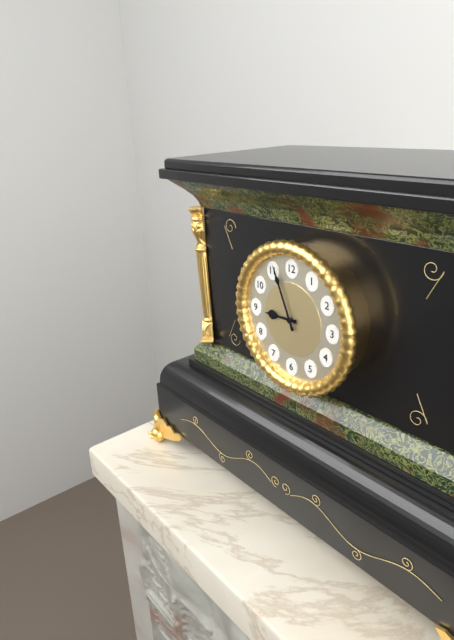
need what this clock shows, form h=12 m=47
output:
h=8 m=56
